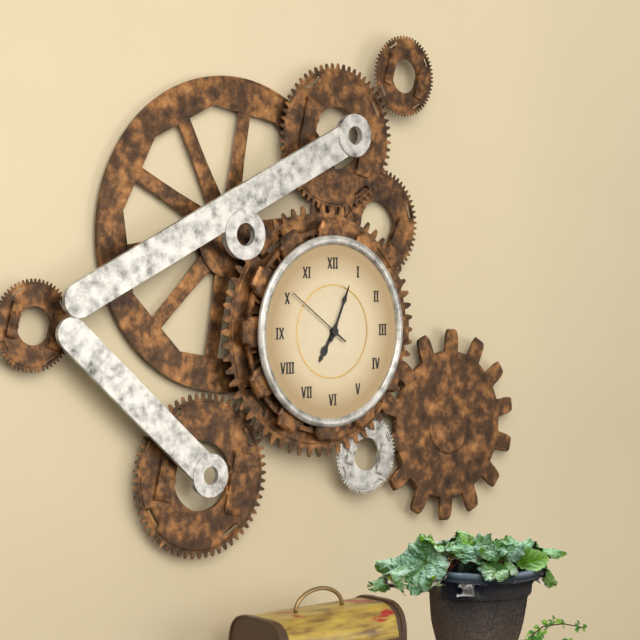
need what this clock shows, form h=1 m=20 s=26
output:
h=7 m=4 s=51
